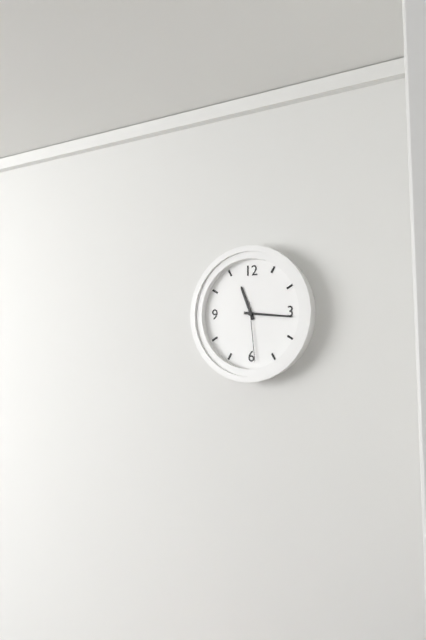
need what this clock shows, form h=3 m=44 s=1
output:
h=11 m=16 s=29
